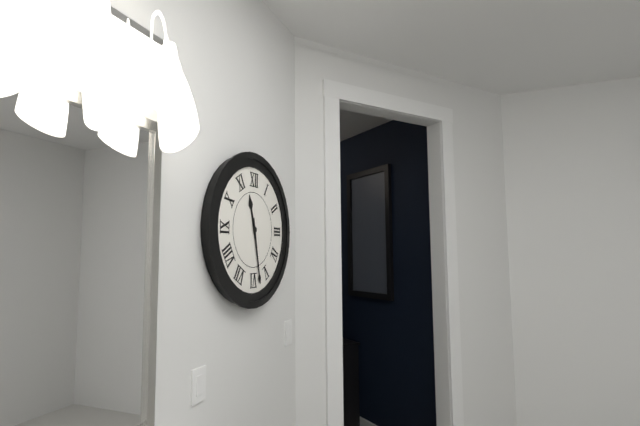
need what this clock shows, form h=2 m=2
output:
h=11 m=28
